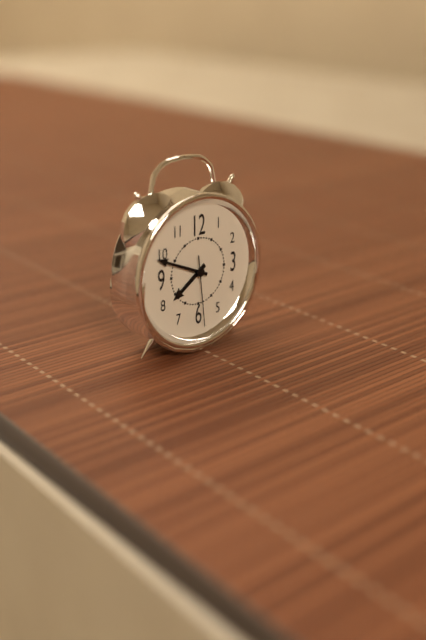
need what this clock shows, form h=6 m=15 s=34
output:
h=7 m=49 s=29
